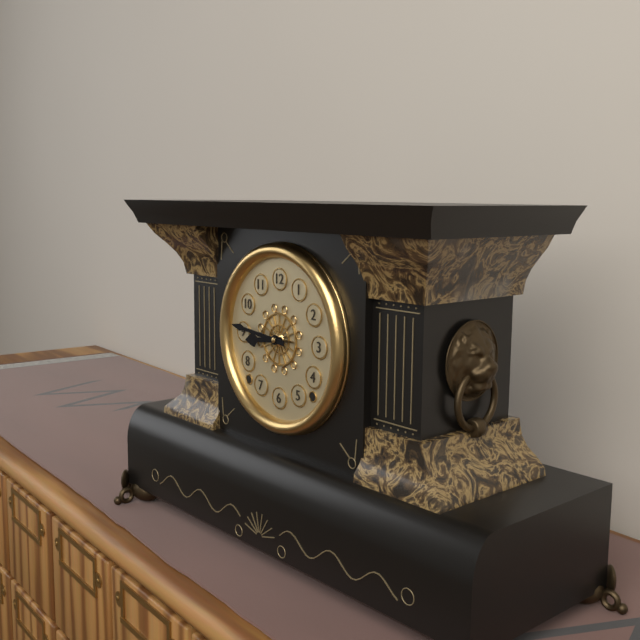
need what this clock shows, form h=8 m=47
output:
h=8 m=46
